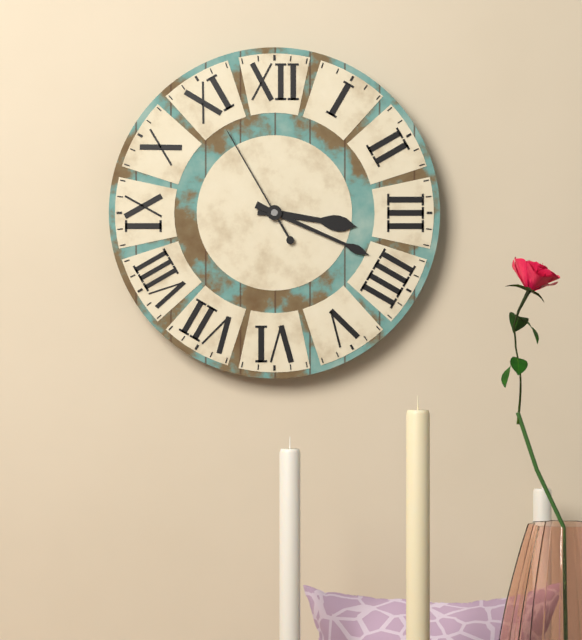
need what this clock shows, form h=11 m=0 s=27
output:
h=3 m=19 s=55
